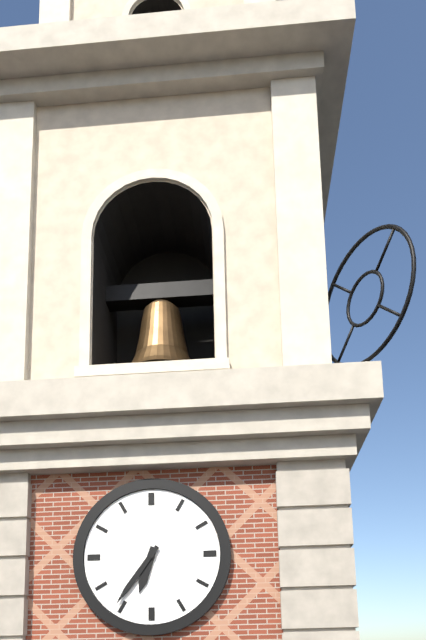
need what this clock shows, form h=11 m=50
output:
h=6 m=36
